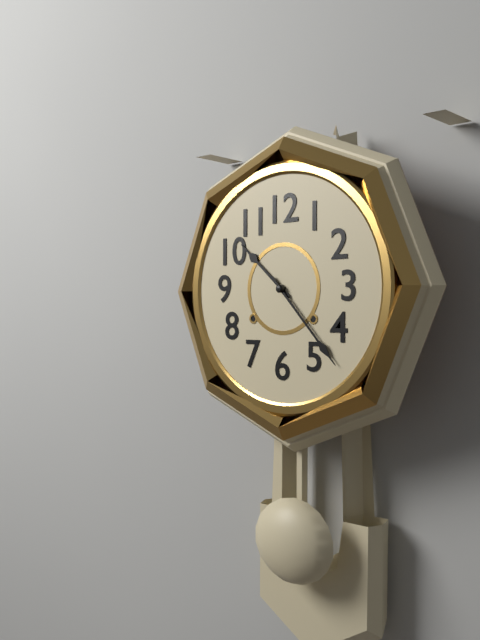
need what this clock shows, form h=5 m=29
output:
h=10 m=23
